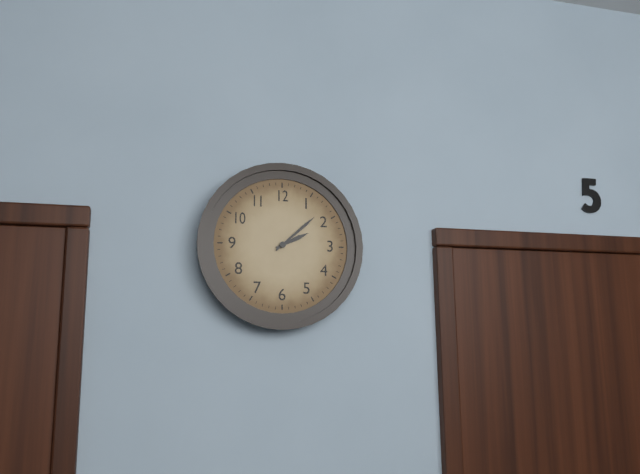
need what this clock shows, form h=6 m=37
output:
h=2 m=8
